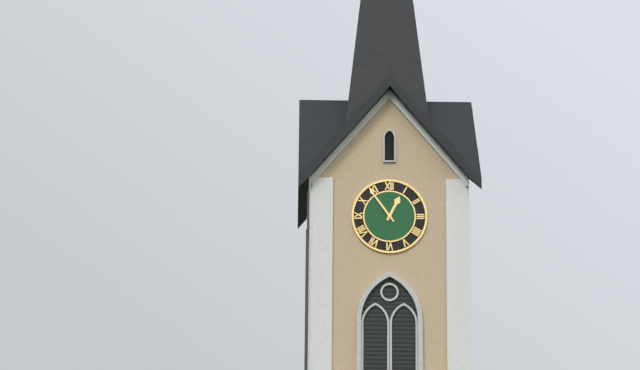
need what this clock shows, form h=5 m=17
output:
h=12 m=54
